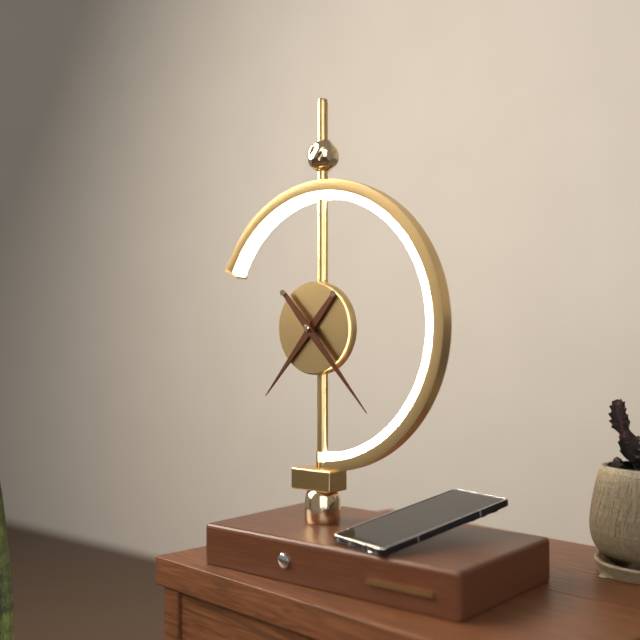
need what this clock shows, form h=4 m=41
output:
h=7 m=23
